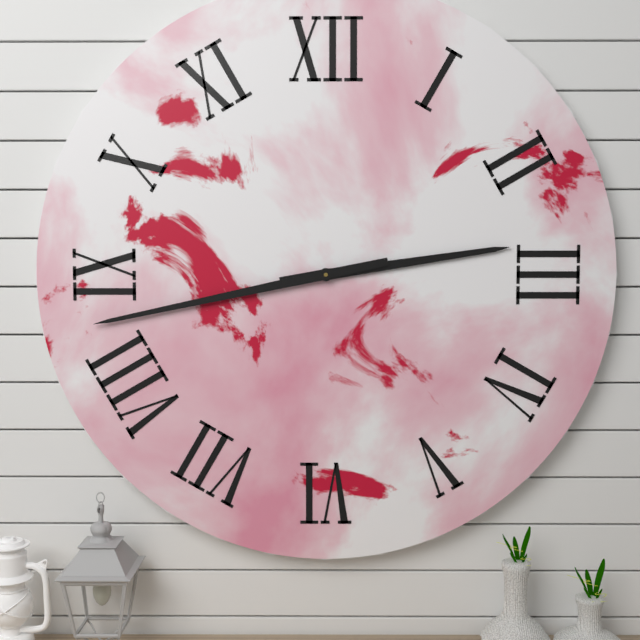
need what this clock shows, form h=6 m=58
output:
h=2 m=43
